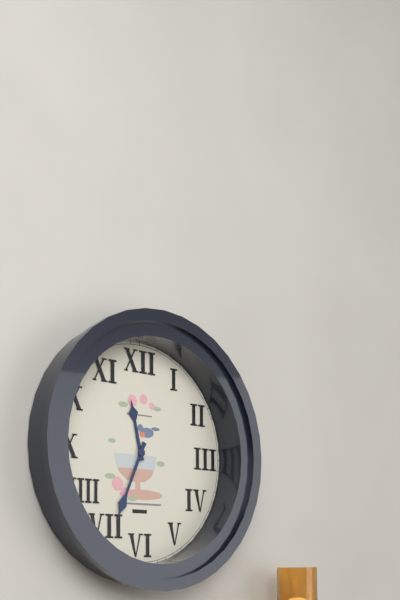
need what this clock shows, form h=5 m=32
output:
h=11 m=34
